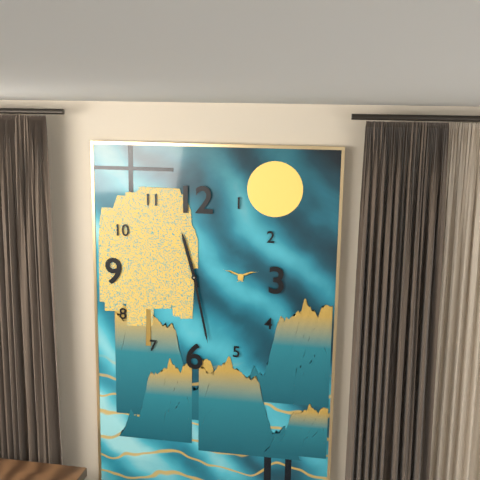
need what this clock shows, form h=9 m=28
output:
h=11 m=28
